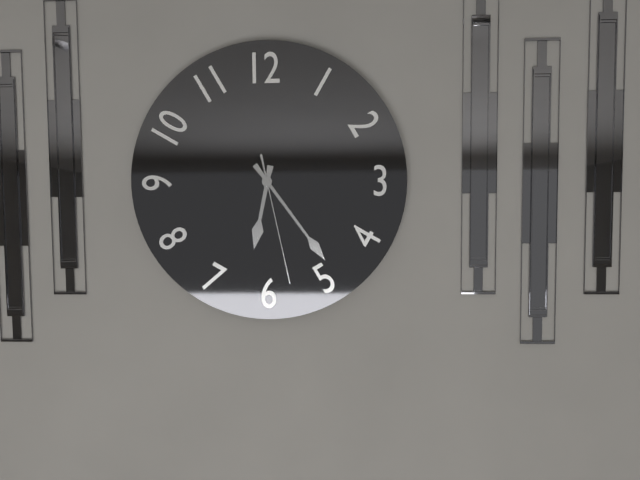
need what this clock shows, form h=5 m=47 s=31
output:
h=6 m=24 s=28
